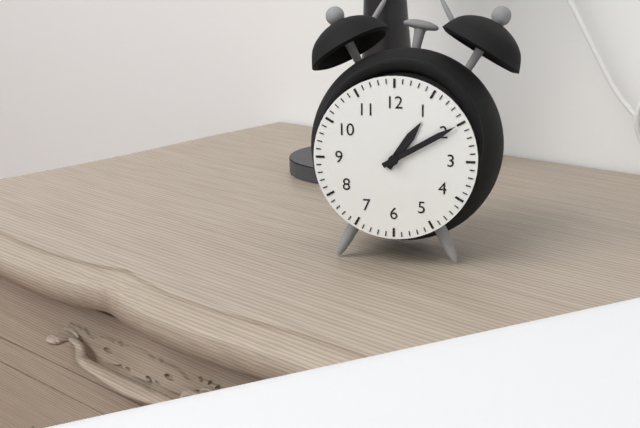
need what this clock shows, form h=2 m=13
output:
h=1 m=10
